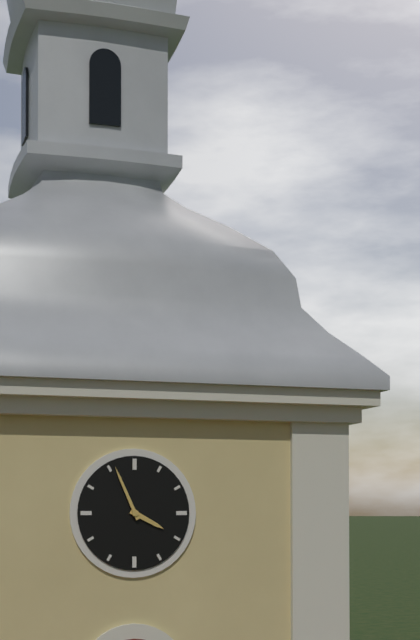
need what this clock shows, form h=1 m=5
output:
h=3 m=56
